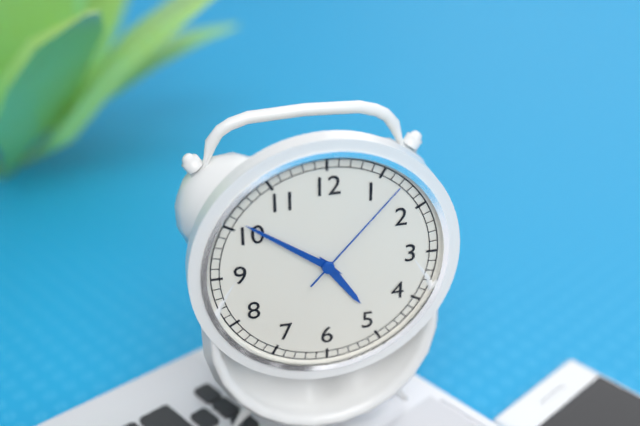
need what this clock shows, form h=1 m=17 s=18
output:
h=4 m=51 s=7
